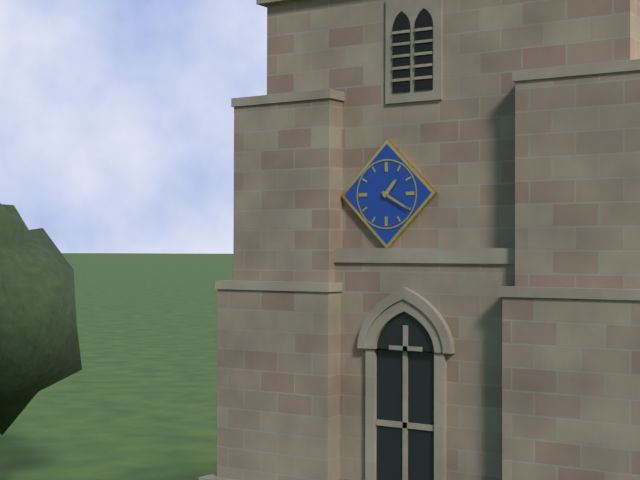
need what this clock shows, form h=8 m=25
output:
h=1 m=20
